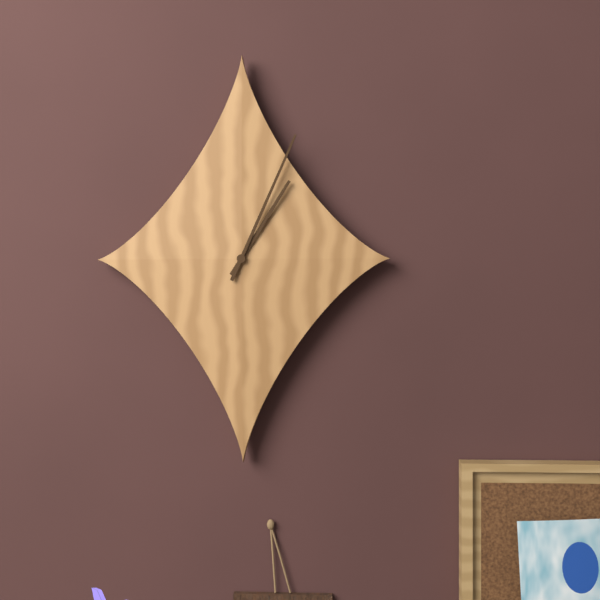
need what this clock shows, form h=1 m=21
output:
h=1 m=4
